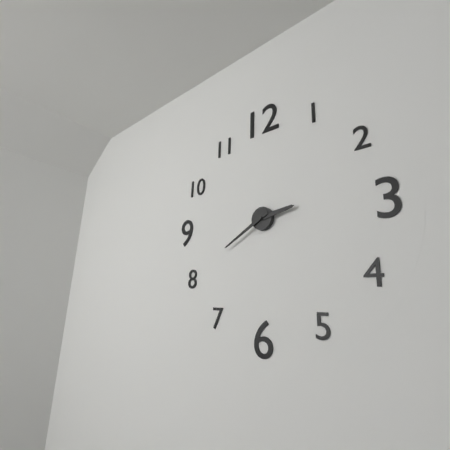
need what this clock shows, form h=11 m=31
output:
h=2 m=40
